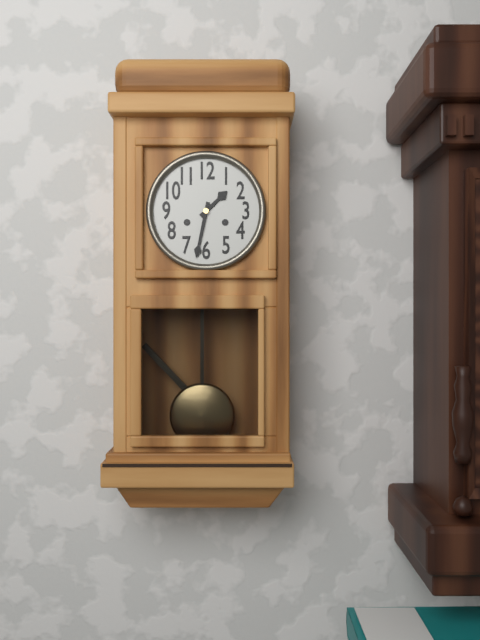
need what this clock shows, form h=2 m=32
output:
h=1 m=32
